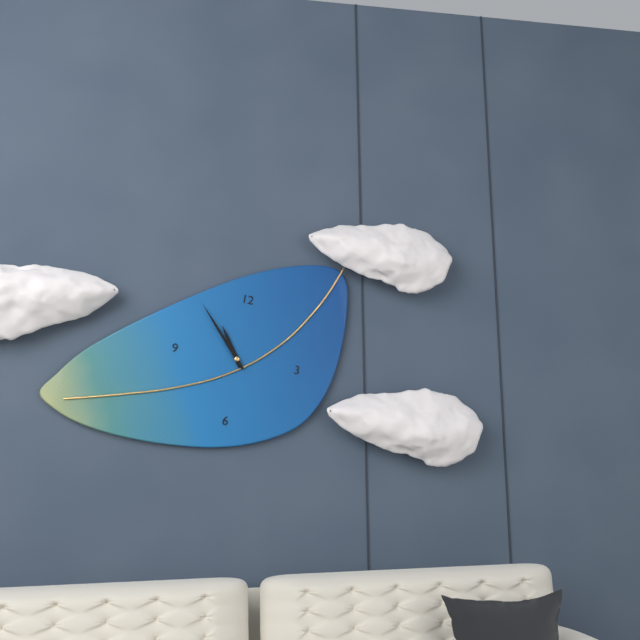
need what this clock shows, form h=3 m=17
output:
h=10 m=53
